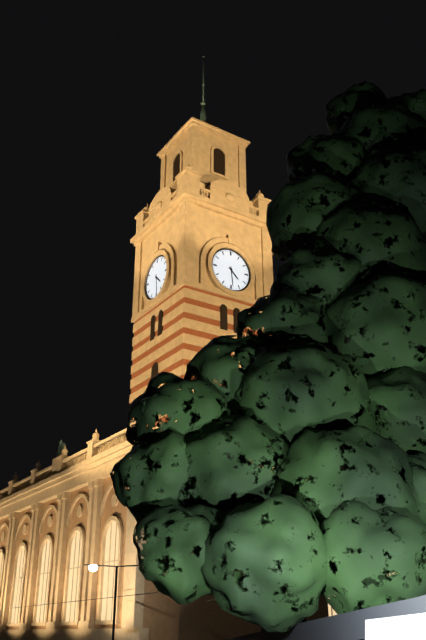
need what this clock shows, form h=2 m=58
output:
h=4 m=29
